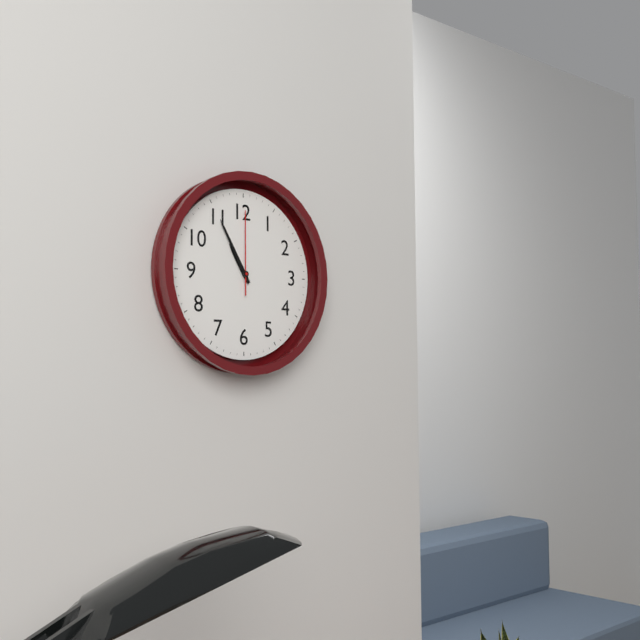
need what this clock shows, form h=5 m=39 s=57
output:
h=10 m=55 s=0
